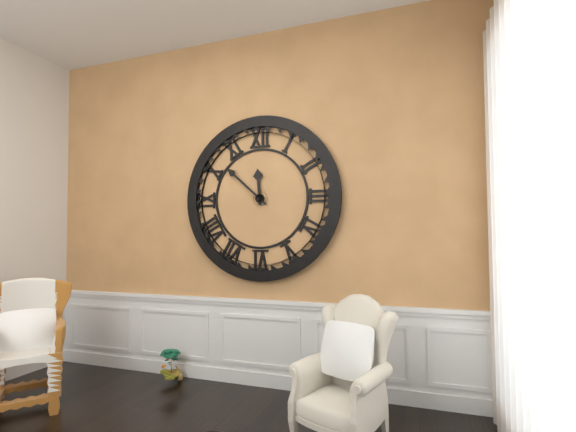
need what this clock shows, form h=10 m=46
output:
h=11 m=52
